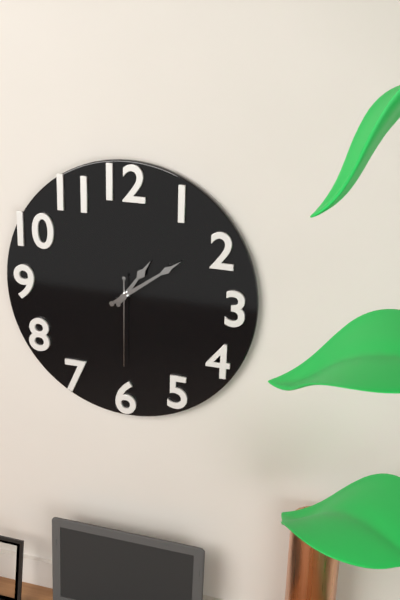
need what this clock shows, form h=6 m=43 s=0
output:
h=1 m=9 s=30
